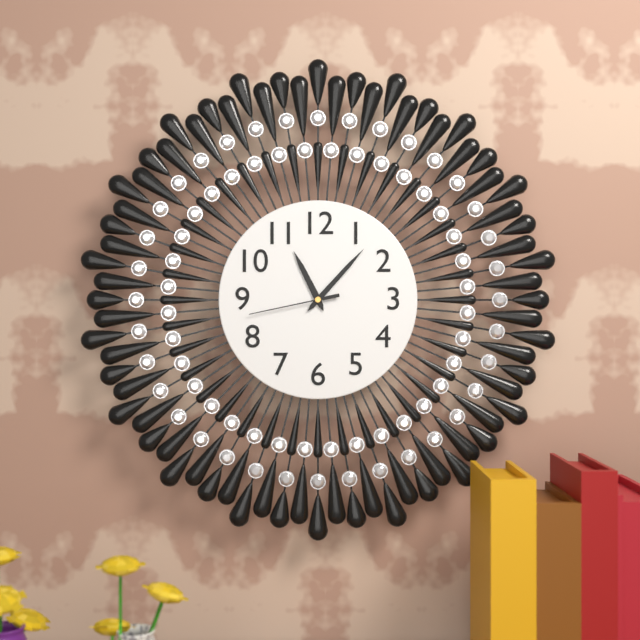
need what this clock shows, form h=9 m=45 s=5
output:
h=11 m=7 s=43
